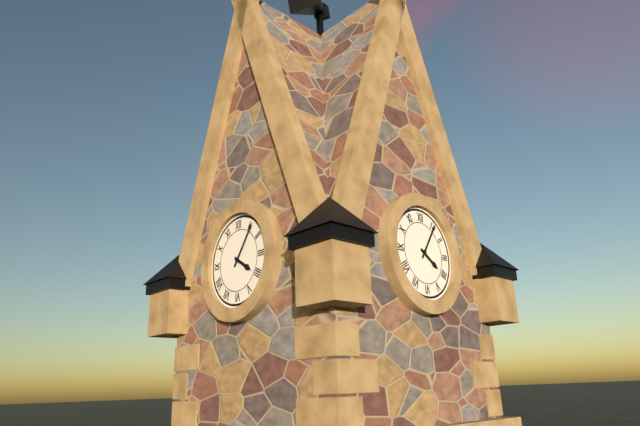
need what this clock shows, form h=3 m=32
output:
h=4 m=6
